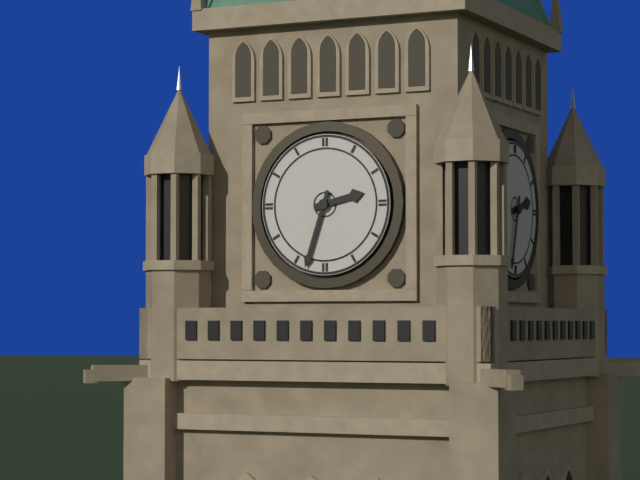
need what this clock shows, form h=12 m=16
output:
h=2 m=33
